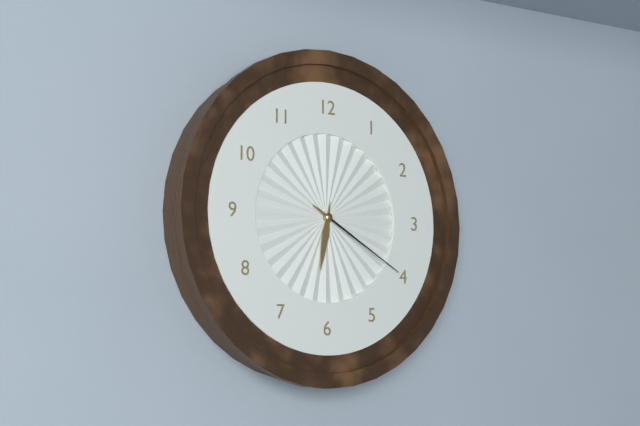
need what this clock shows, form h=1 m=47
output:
h=6 m=20
